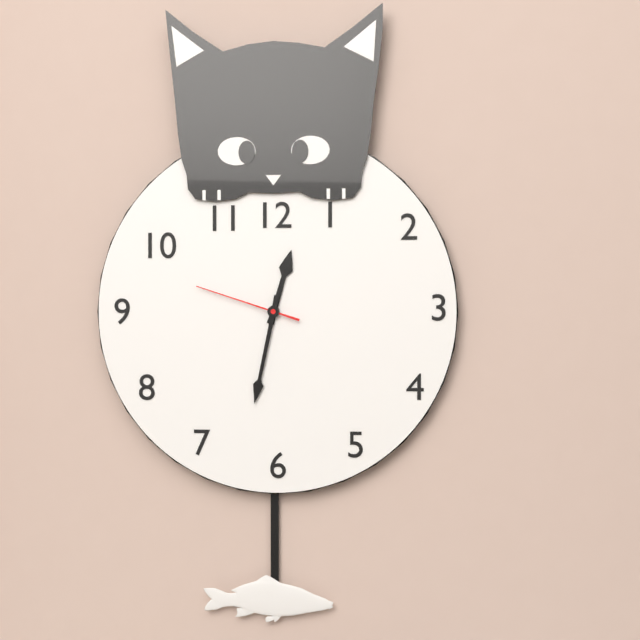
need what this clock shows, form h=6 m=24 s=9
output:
h=12 m=32 s=48
